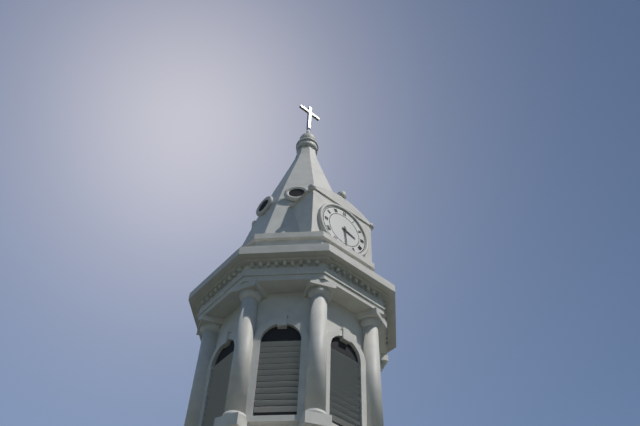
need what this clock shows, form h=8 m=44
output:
h=3 m=29
